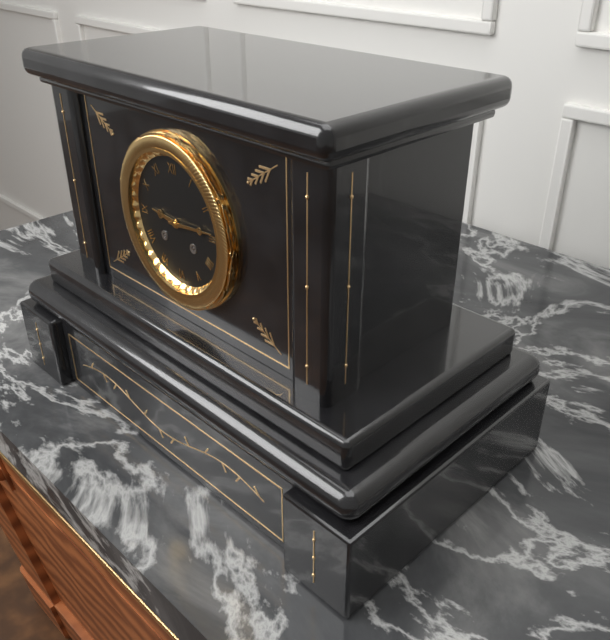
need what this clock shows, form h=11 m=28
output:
h=9 m=14
